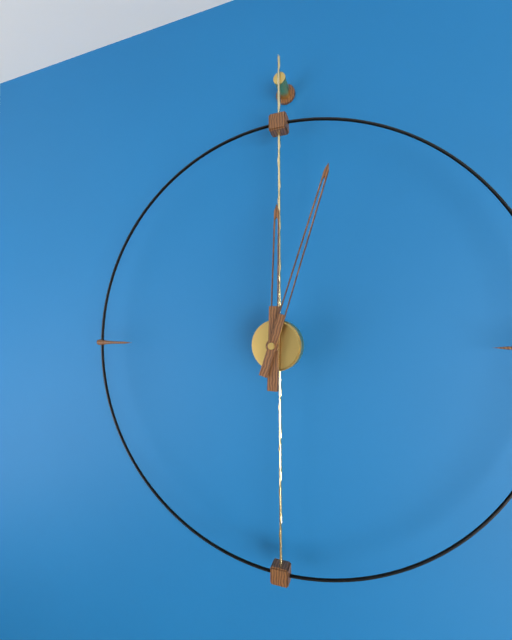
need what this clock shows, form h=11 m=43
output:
h=12 m=3
